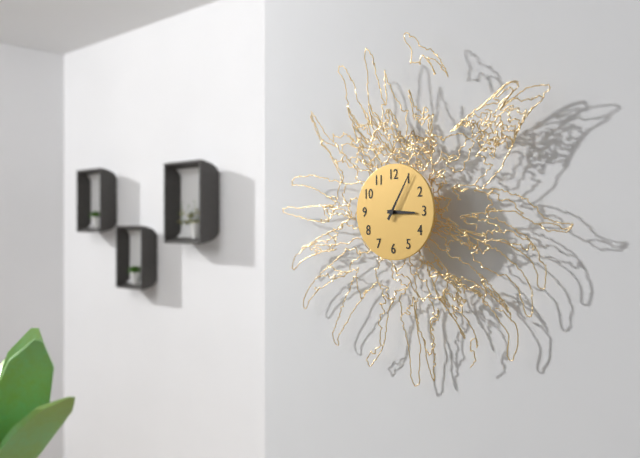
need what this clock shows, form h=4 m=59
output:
h=3 m=5
